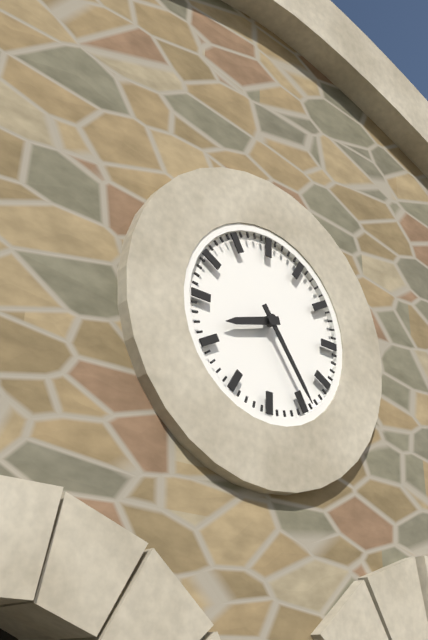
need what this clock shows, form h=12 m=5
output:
h=8 m=24
